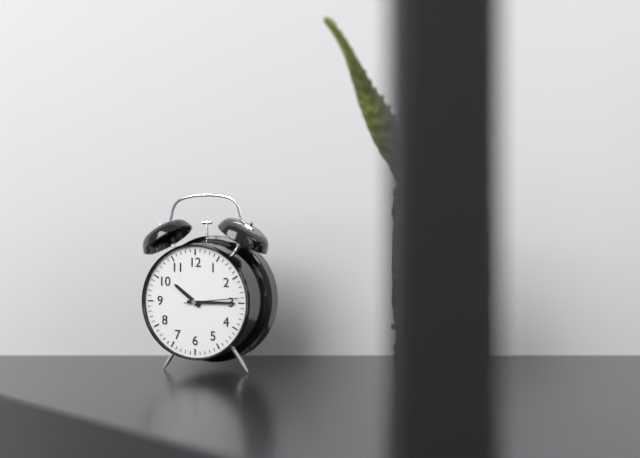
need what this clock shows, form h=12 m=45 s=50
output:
h=10 m=15 s=14
